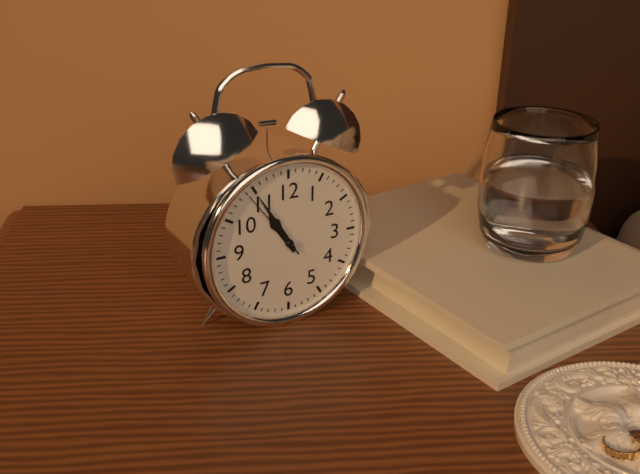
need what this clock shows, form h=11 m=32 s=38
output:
h=10 m=55 s=54
